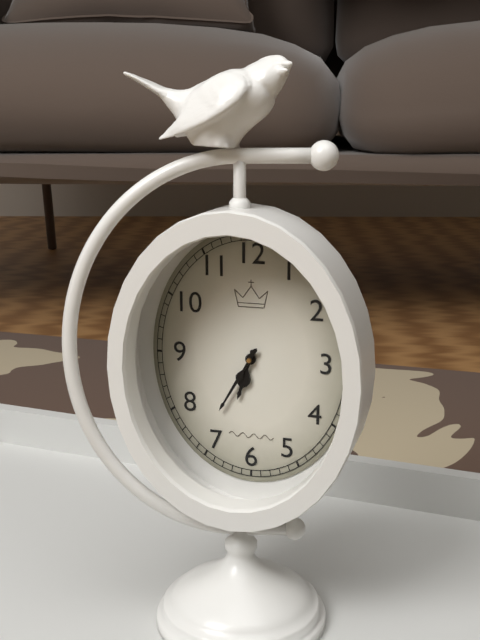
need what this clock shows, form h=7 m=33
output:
h=6 m=35
